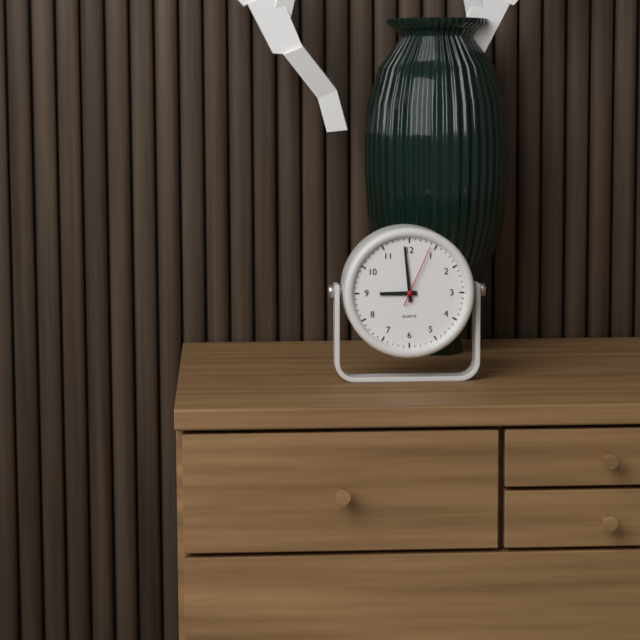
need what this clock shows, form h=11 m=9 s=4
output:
h=8 m=59 s=4
